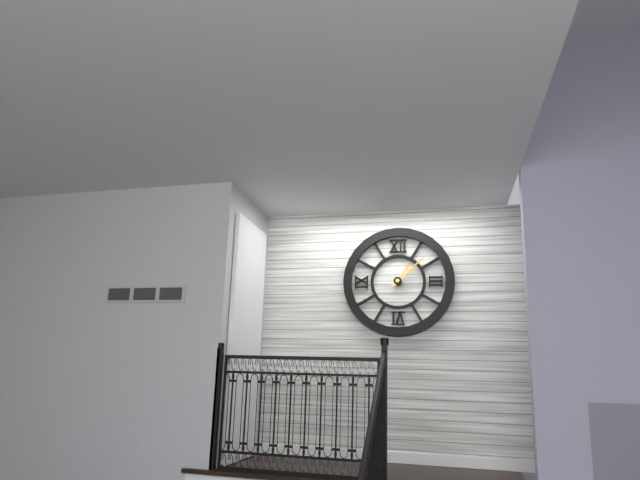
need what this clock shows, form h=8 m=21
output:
h=1 m=8
